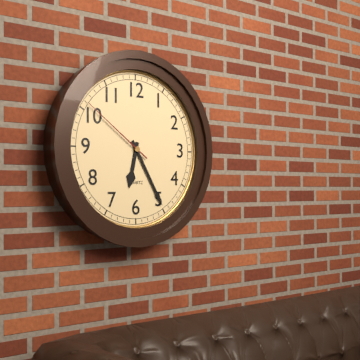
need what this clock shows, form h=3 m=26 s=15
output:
h=6 m=25 s=51
